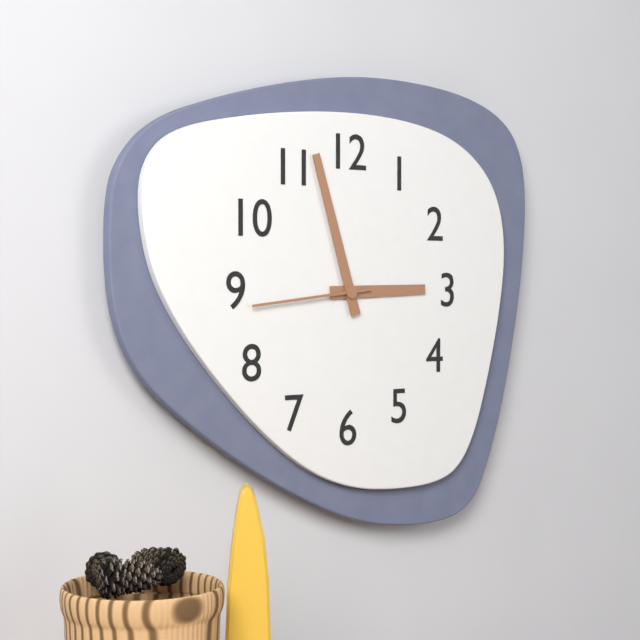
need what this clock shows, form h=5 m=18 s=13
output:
h=2 m=57 s=44
